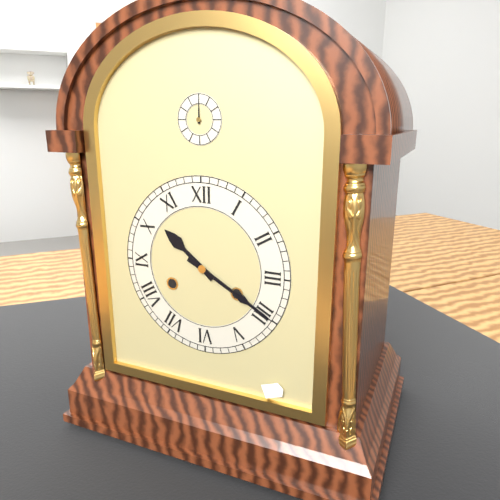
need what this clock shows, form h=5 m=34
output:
h=10 m=20
